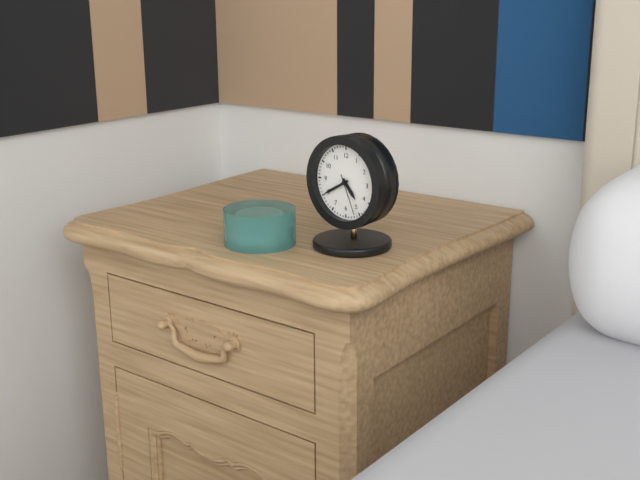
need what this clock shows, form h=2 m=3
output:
h=4 m=40
